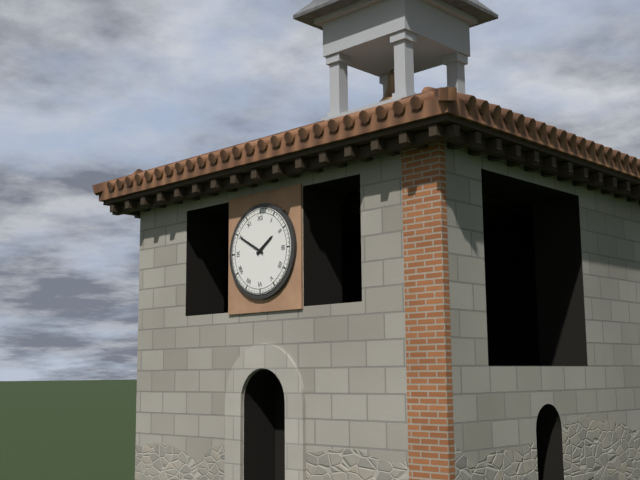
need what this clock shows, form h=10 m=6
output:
h=1 m=50
